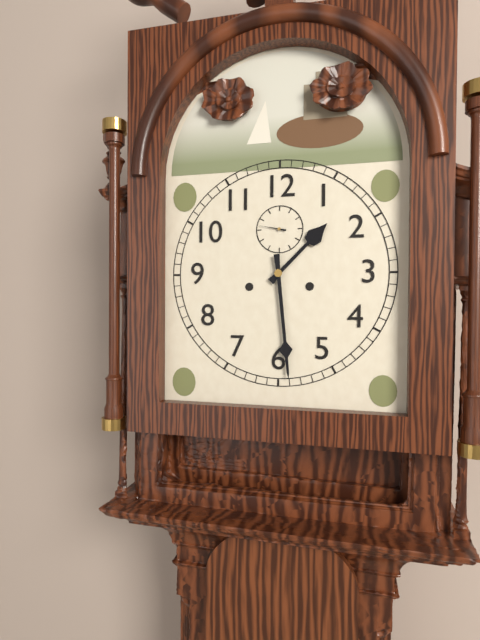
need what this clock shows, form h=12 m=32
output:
h=1 m=29
